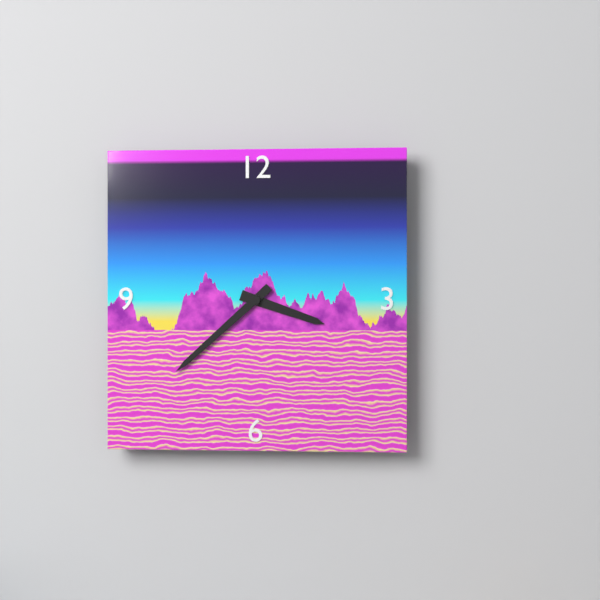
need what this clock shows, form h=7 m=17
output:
h=3 m=38
